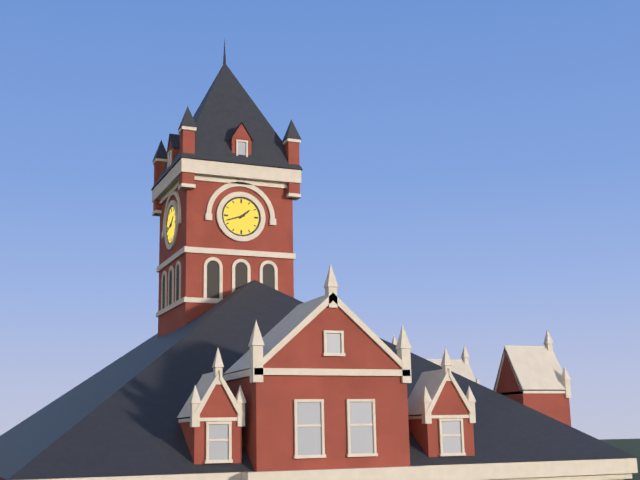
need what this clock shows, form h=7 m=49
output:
h=1 m=42
